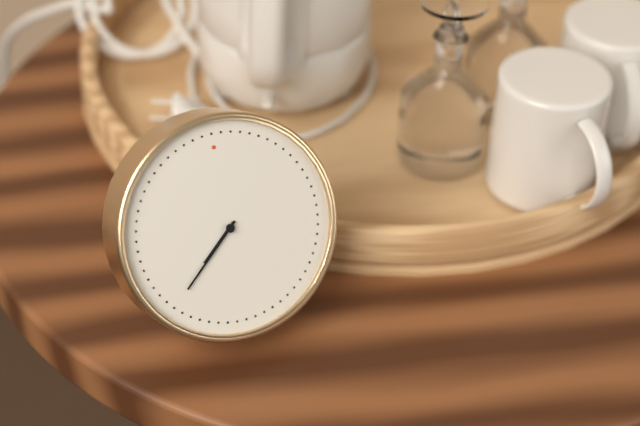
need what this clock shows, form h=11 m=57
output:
h=7 m=38
